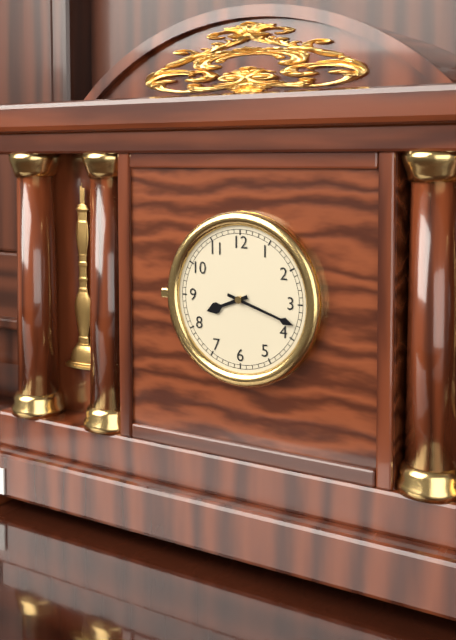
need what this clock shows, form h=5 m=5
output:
h=8 m=18
